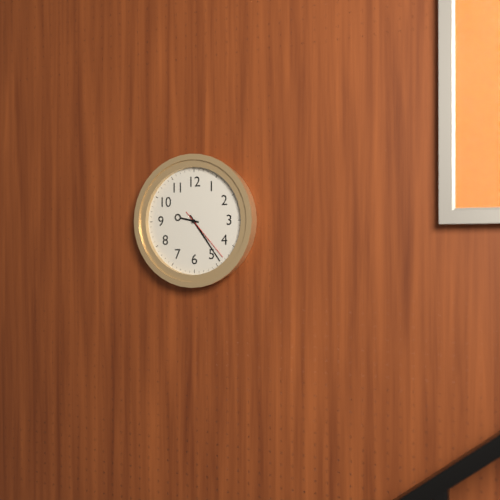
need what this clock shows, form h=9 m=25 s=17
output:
h=9 m=24 s=23
